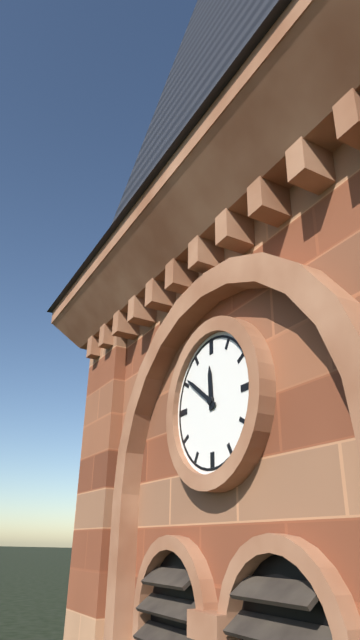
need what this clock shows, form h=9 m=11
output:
h=11 m=51
